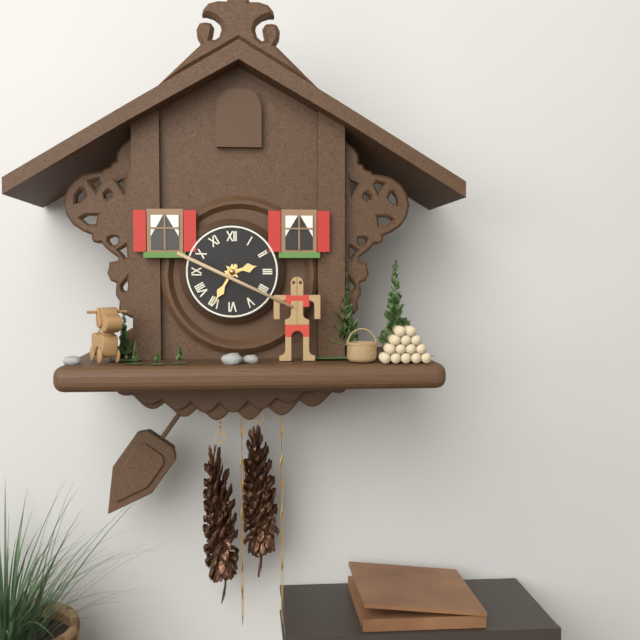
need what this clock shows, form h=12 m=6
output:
h=2 m=35
